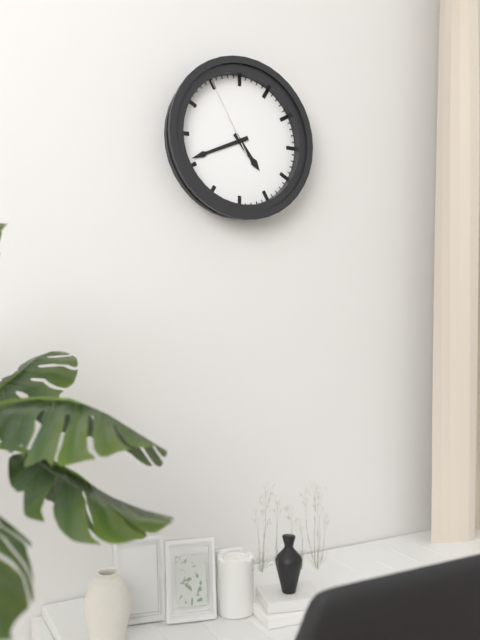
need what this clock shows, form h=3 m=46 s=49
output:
h=4 m=41 s=55
